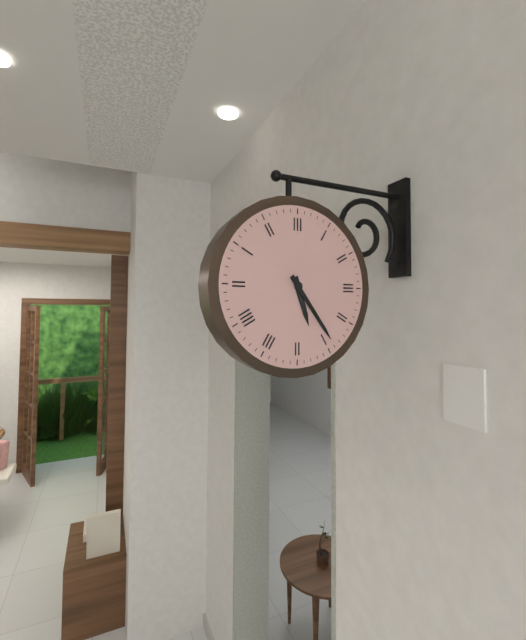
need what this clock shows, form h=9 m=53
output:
h=5 m=24
